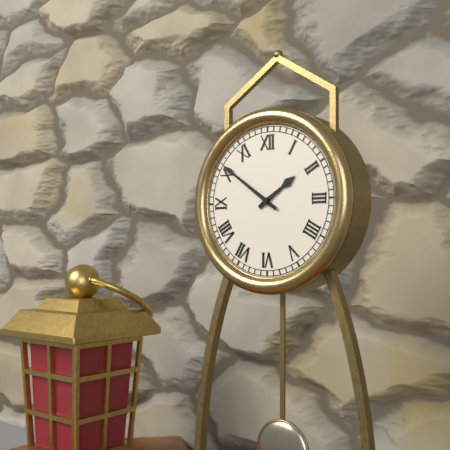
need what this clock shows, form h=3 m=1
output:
h=1 m=51
